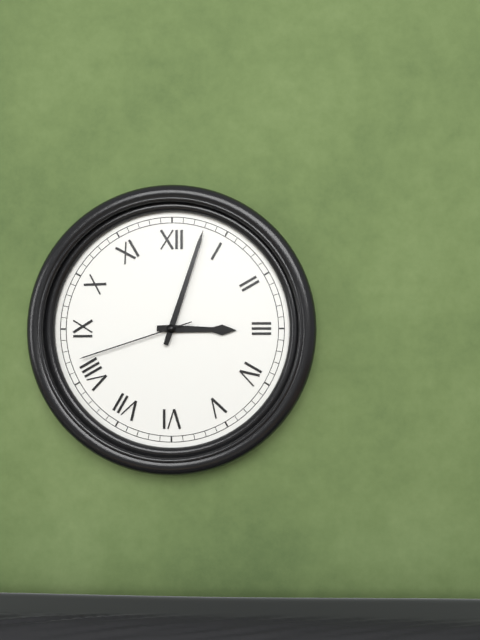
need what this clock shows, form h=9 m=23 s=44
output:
h=3 m=3 s=42
